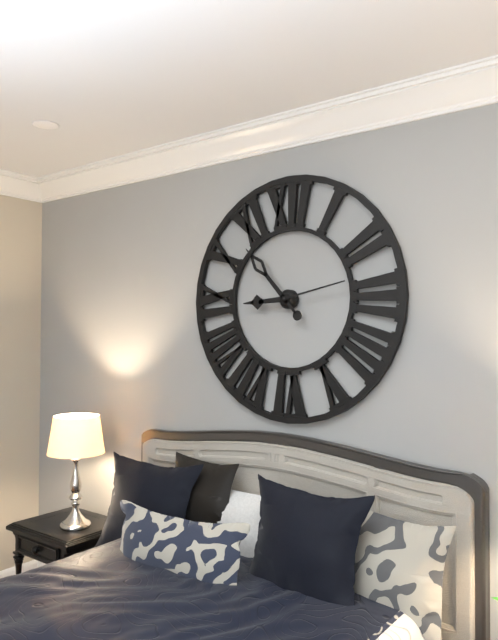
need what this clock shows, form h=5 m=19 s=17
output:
h=8 m=53 s=13
